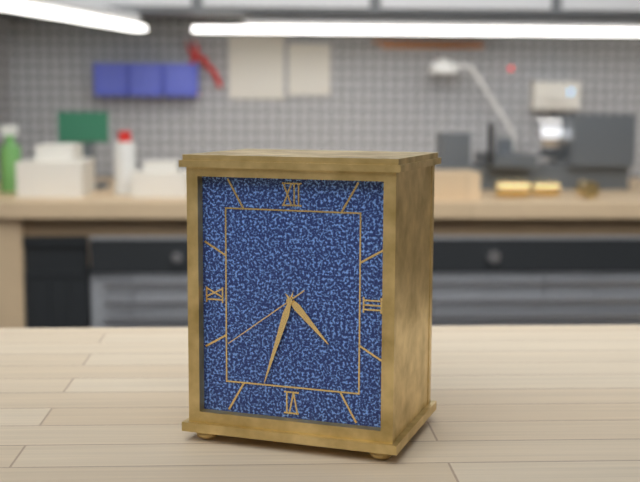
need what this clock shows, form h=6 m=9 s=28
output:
h=4 m=33 s=39
